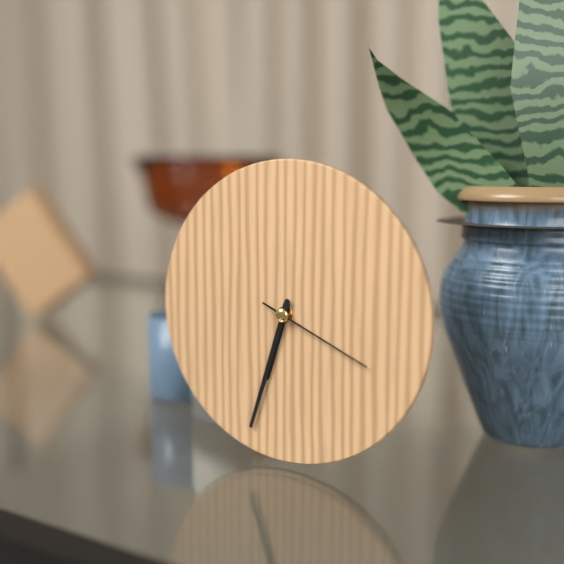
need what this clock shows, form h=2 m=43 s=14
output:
h=6 m=33 s=19
